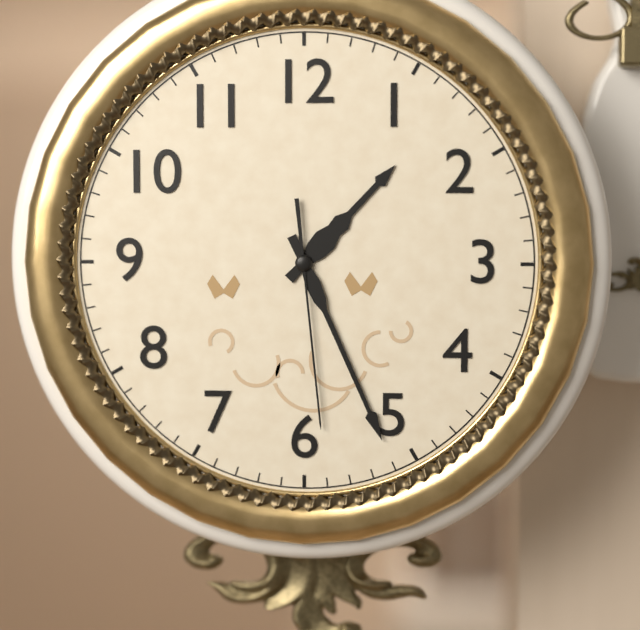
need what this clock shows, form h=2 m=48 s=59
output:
h=1 m=26 s=29
